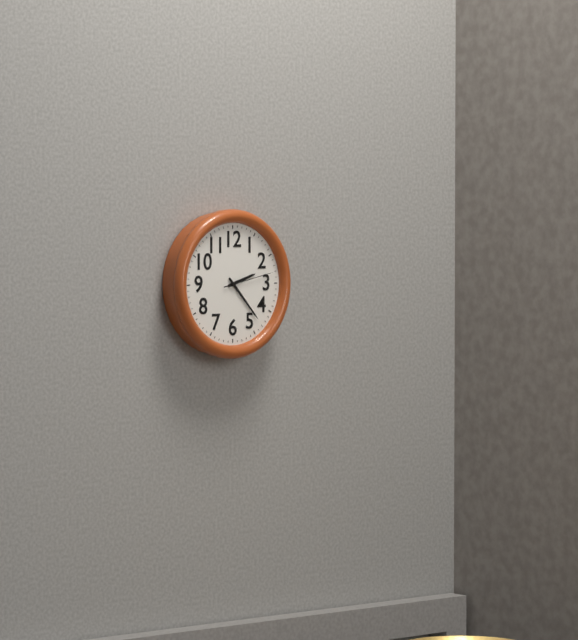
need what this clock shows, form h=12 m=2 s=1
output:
h=2 m=23 s=13
